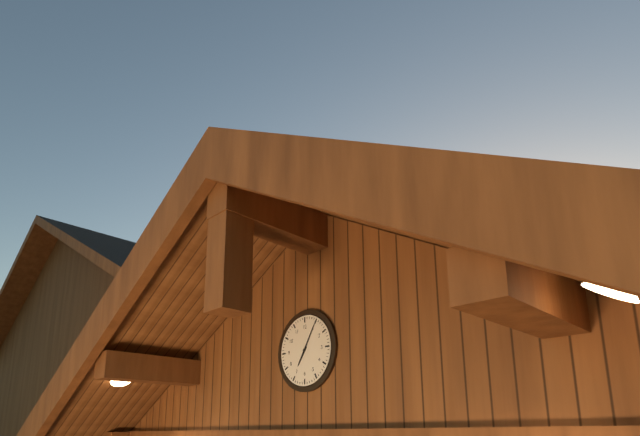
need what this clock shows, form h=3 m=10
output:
h=7 m=5
